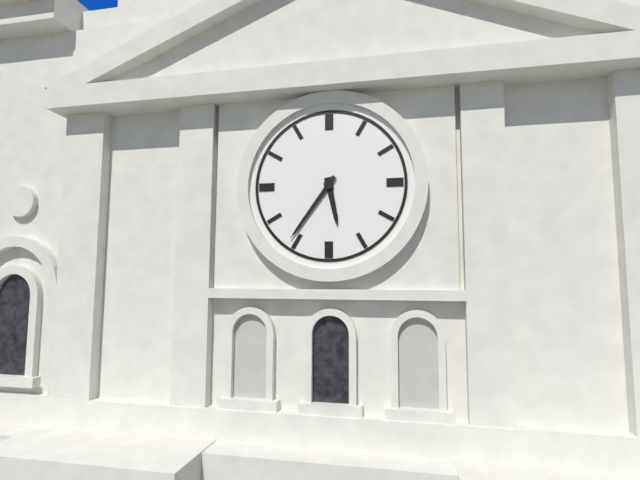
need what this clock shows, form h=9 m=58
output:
h=5 m=36
